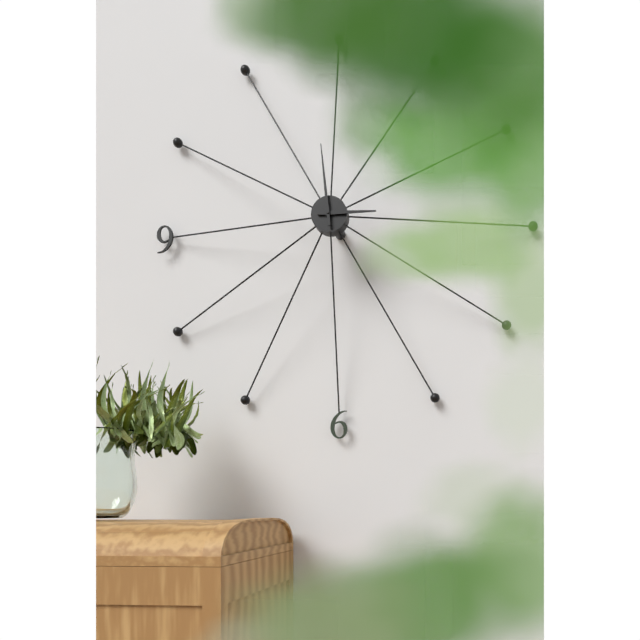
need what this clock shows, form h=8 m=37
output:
h=2 m=59
